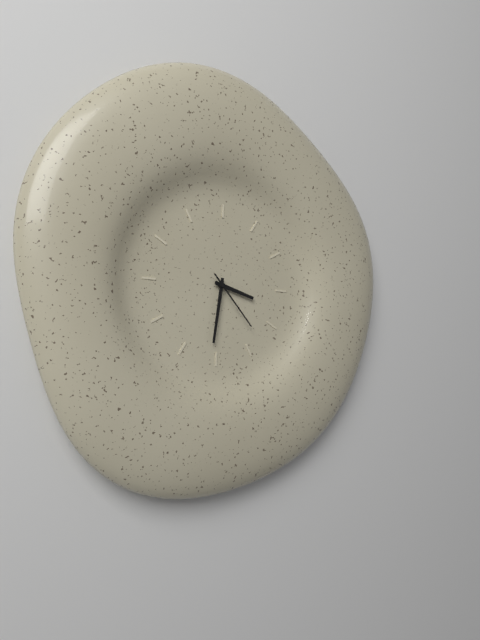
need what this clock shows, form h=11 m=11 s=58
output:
h=3 m=31 s=23
